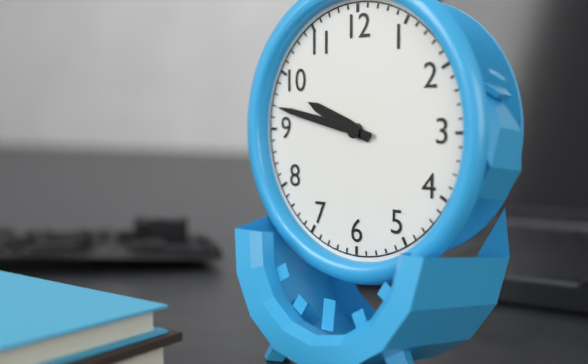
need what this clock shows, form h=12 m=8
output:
h=9 m=47
